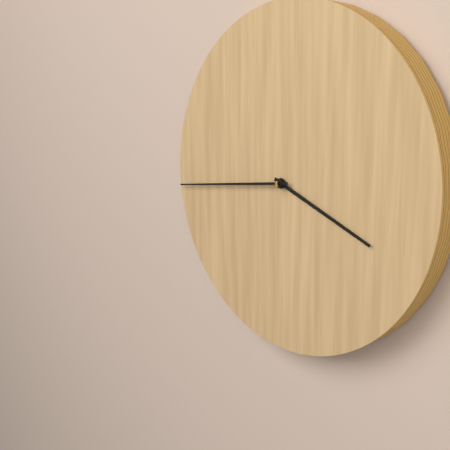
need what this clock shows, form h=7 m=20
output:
h=3 m=44
